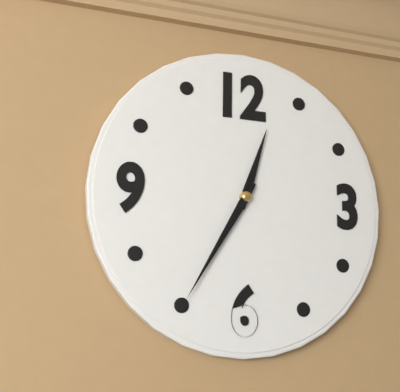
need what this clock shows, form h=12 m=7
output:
h=12 m=35
